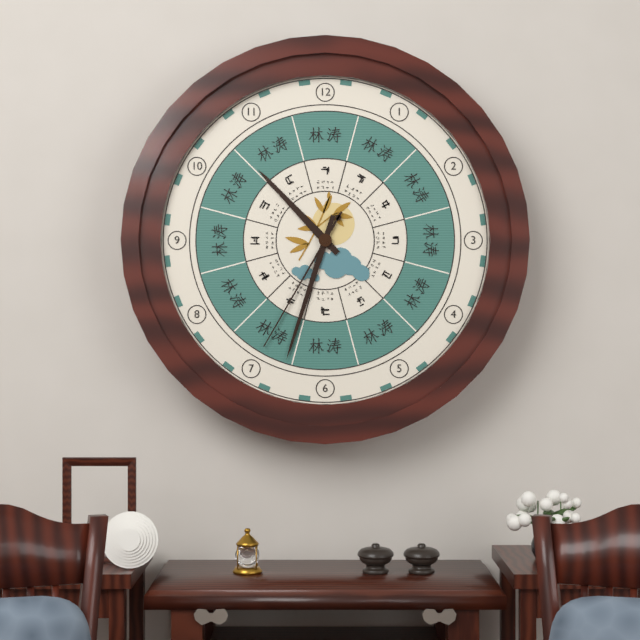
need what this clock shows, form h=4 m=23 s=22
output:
h=10 m=33 s=35
